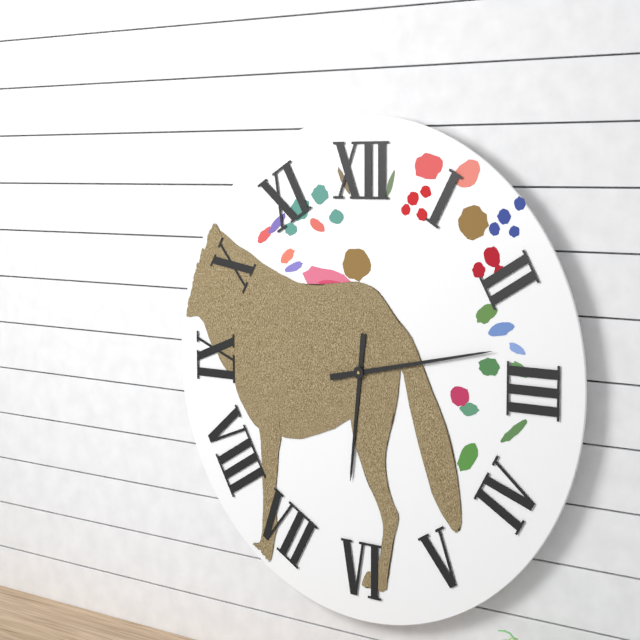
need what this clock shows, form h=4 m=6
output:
h=6 m=13
